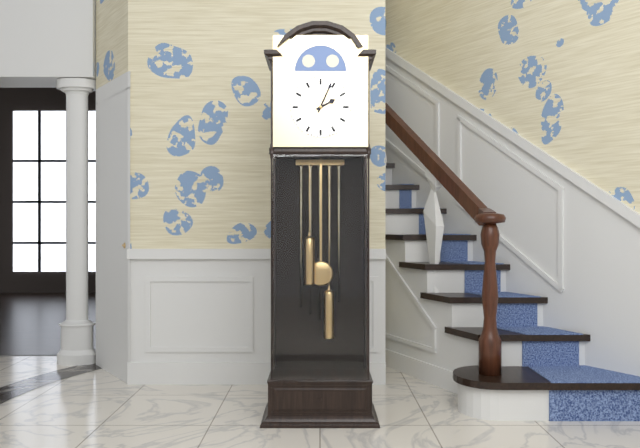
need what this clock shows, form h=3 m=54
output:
h=2 m=4
